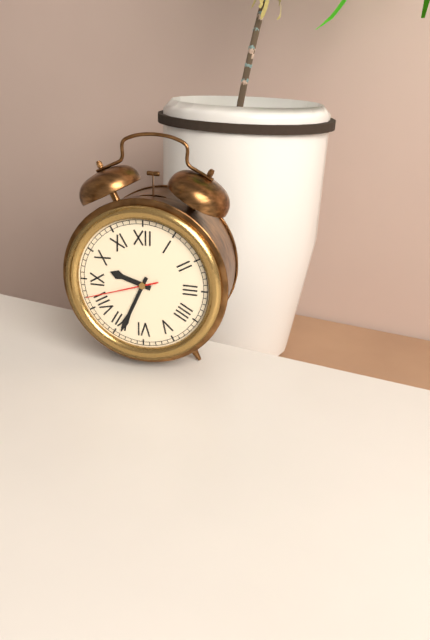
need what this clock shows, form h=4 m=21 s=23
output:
h=9 m=34 s=42
